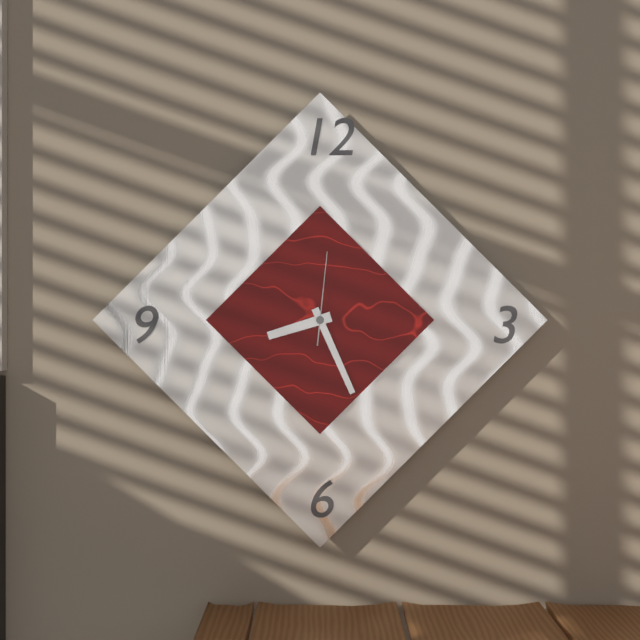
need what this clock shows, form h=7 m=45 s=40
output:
h=8 m=26 s=1
